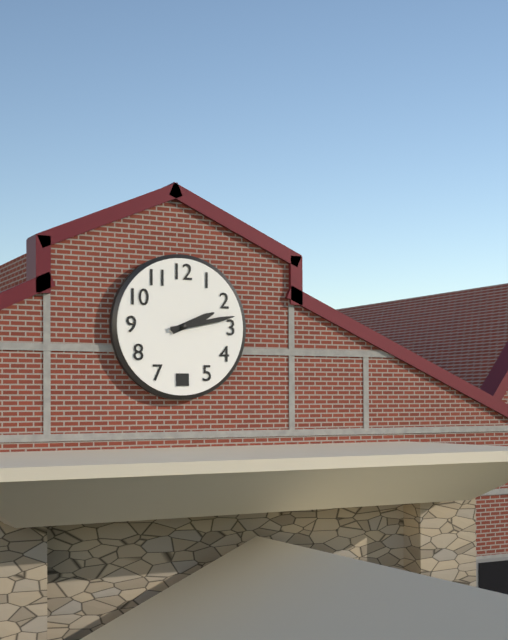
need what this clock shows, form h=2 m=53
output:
h=2 m=13
